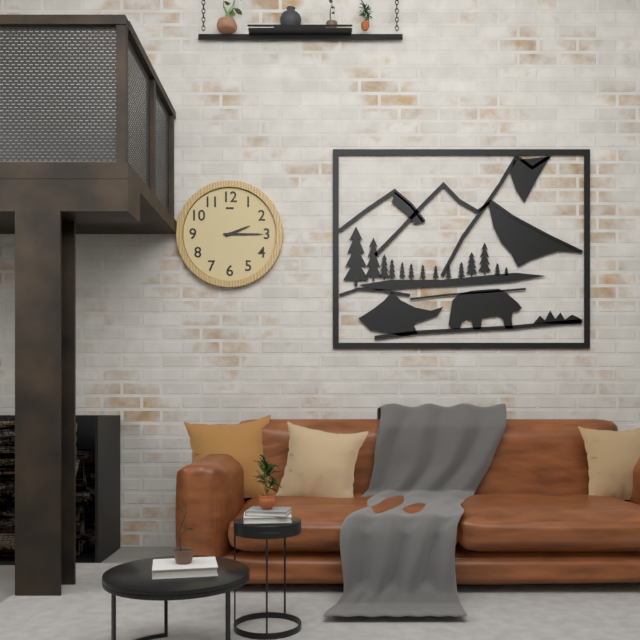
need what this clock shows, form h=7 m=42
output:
h=2 m=15
